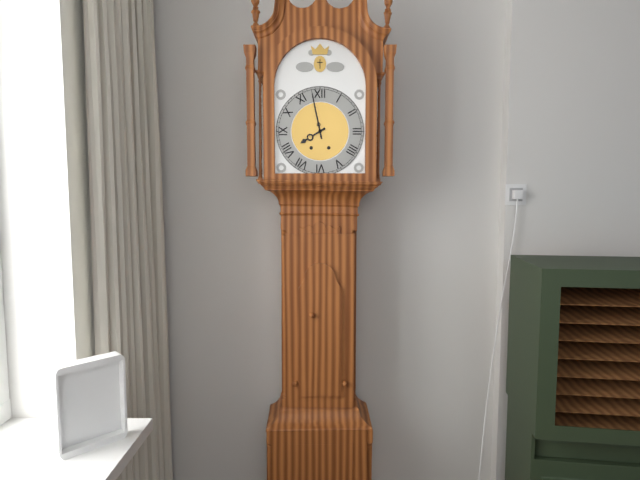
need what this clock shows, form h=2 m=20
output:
h=7 m=58
